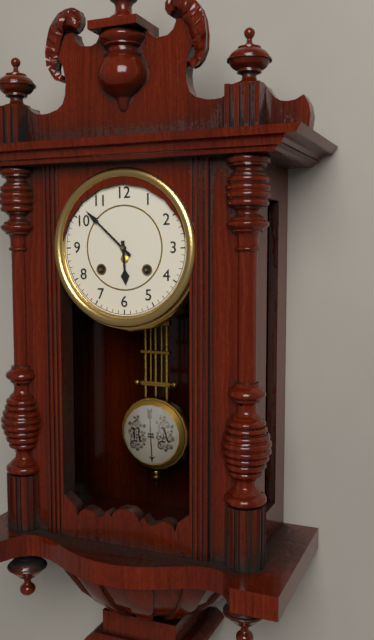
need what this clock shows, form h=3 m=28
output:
h=5 m=52
